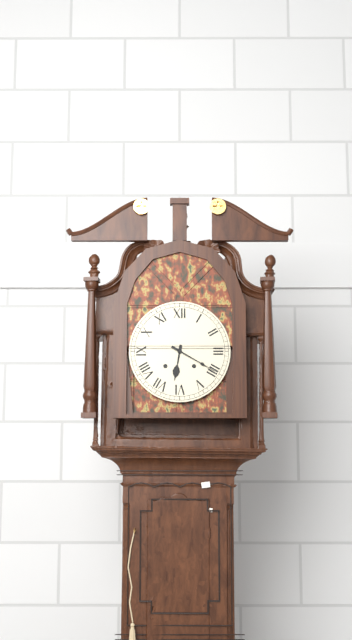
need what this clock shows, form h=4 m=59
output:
h=6 m=20
